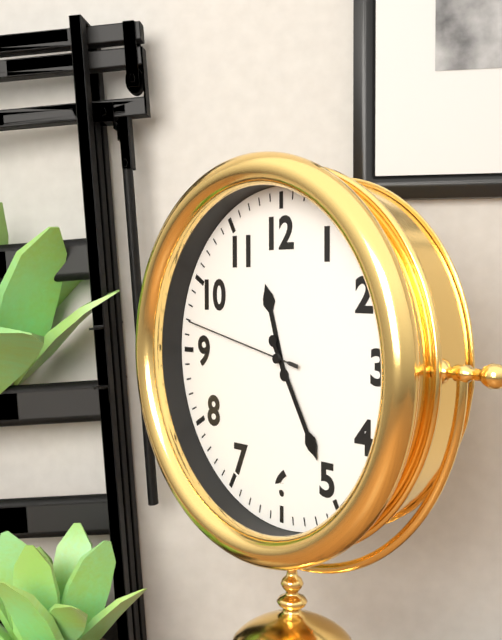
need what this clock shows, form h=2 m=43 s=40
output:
h=11 m=25 s=47
